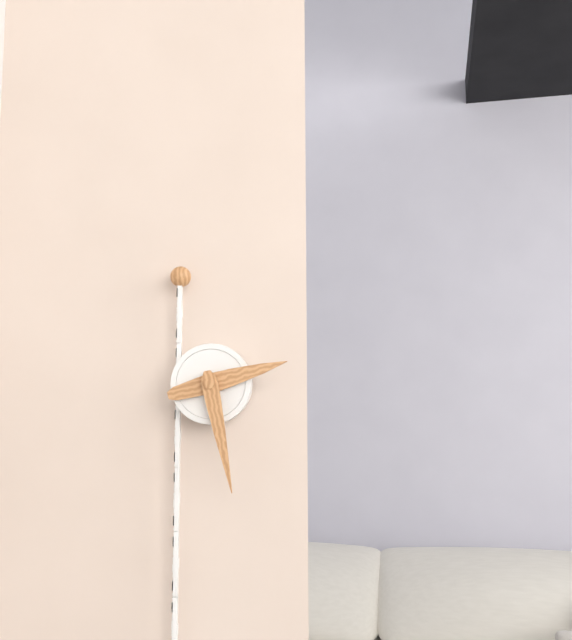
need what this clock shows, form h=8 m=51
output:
h=2 m=28
